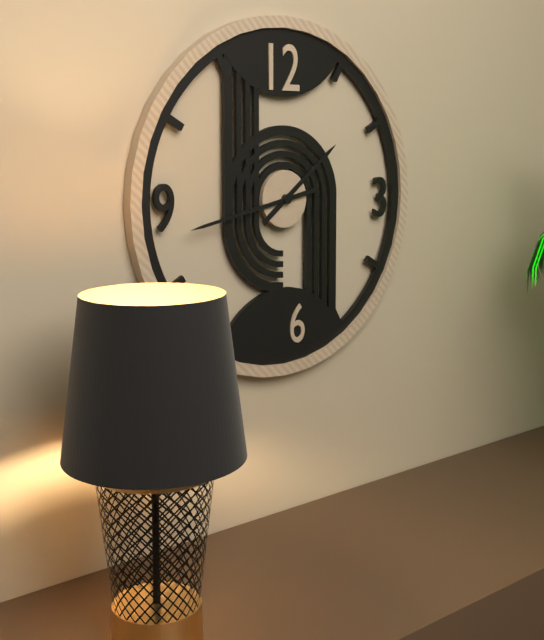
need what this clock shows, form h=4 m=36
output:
h=1 m=43
